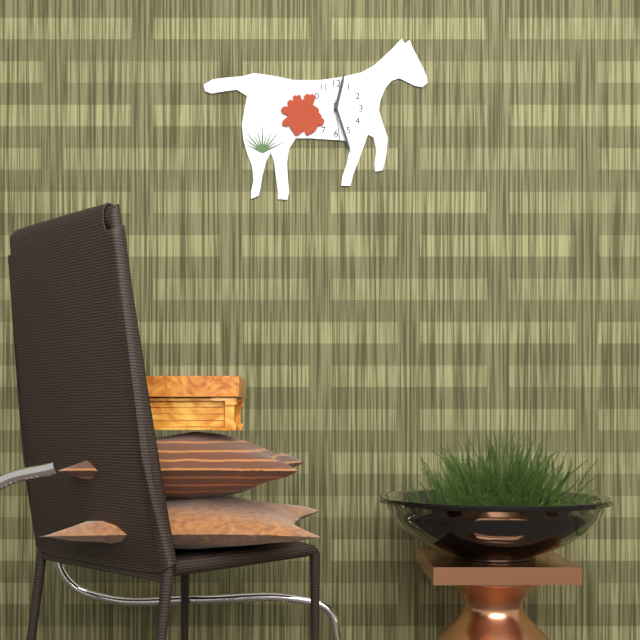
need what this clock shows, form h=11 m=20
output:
h=12 m=27
